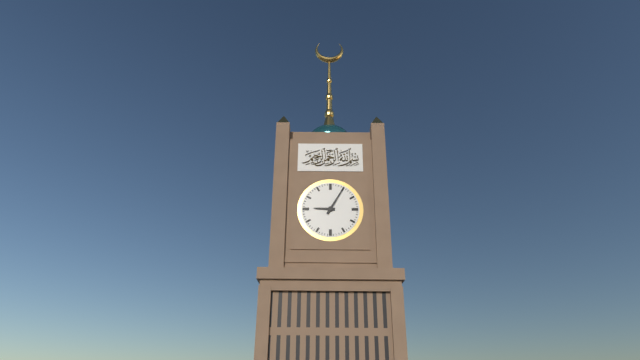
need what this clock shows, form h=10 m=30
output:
h=9 m=5
